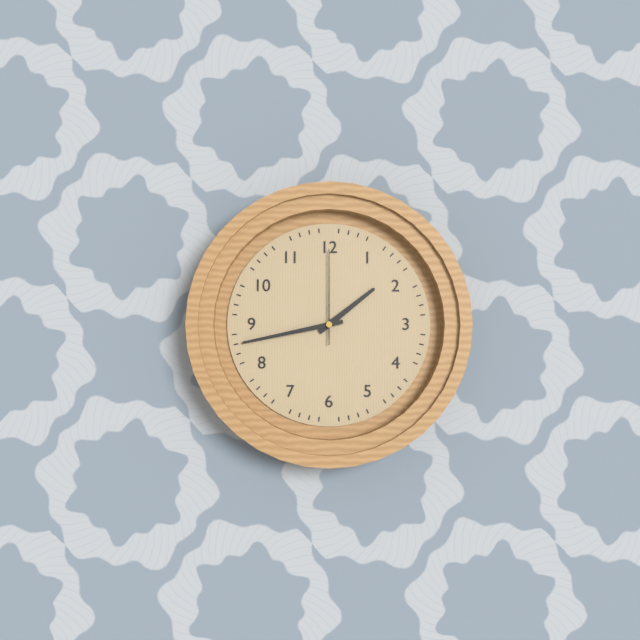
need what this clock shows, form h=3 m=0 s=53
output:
h=1 m=43 s=0
